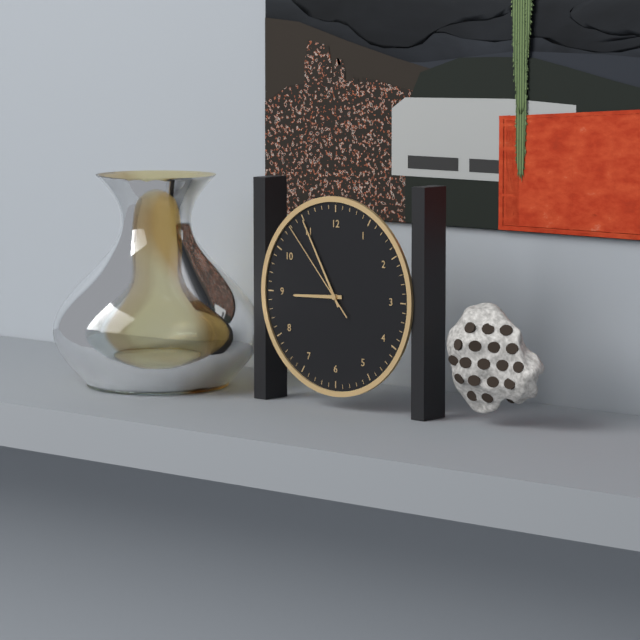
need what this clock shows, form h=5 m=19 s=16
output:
h=8 m=55 s=53
